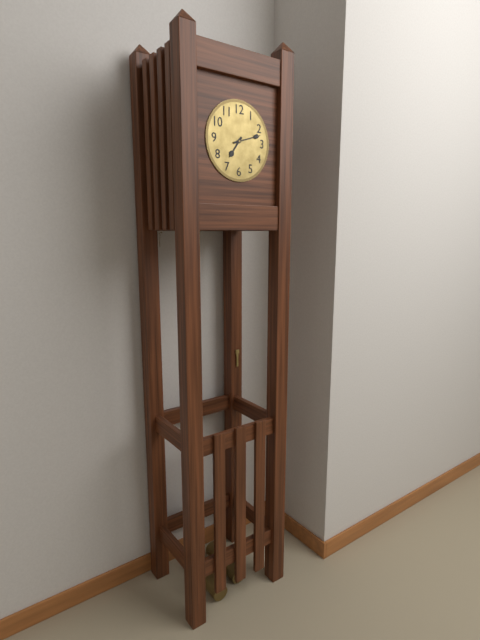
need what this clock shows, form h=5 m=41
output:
h=7 m=12
